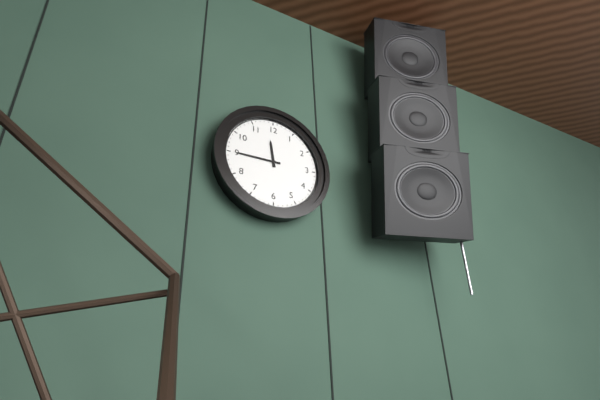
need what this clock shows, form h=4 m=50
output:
h=11 m=45
